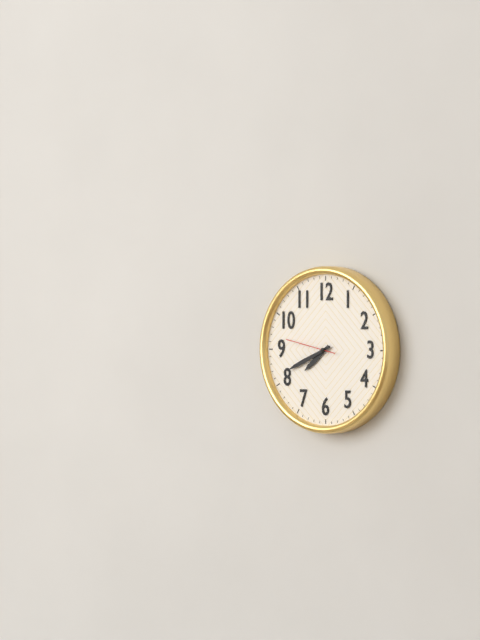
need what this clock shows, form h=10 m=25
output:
h=7 m=41
